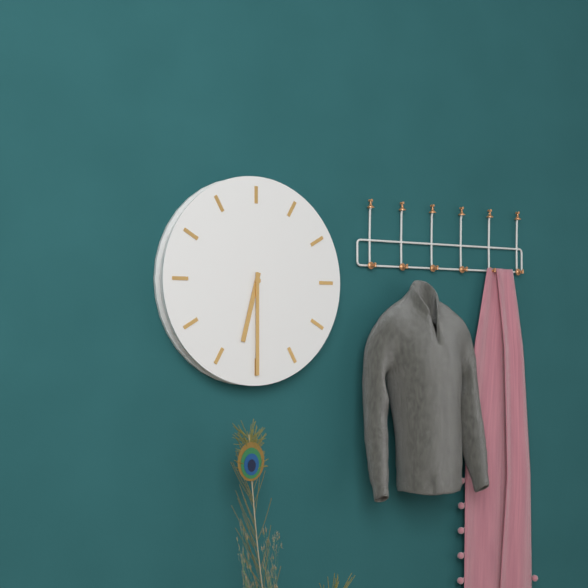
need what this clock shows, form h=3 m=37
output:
h=6 m=30
